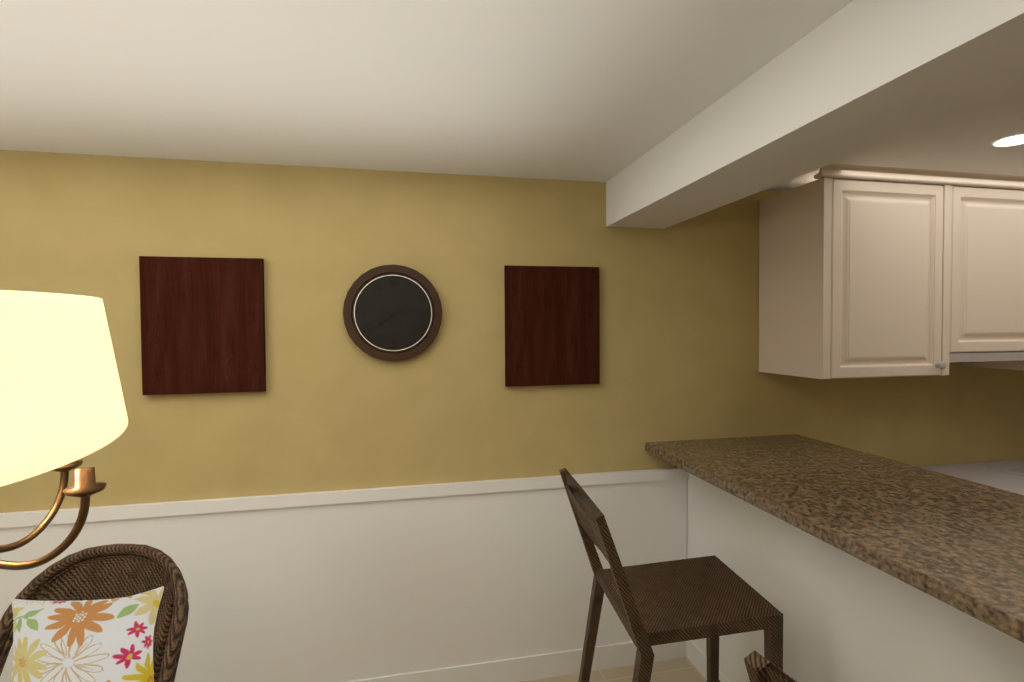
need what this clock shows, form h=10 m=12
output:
h=2 m=39
